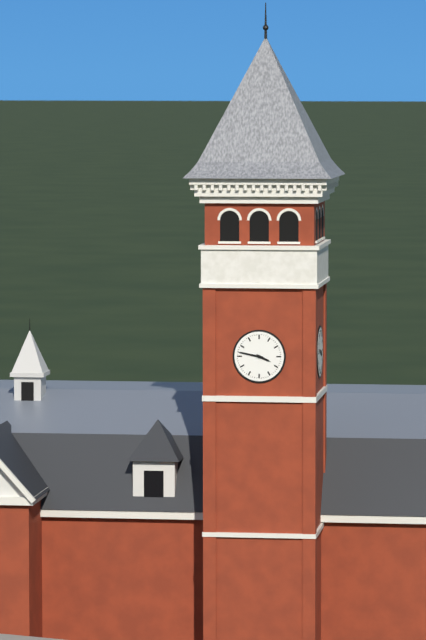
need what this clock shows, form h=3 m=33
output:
h=3 m=47
